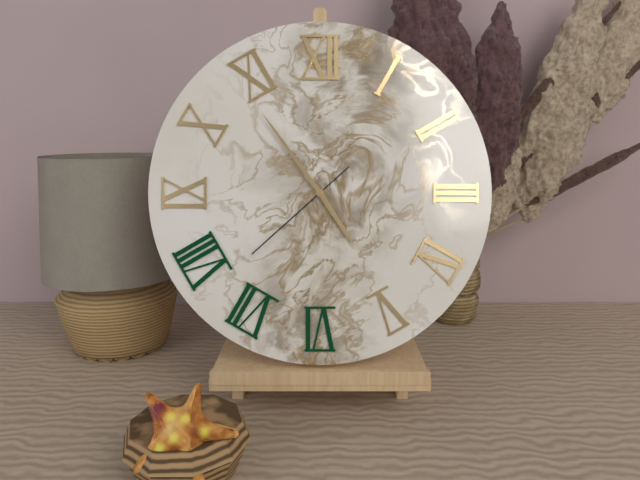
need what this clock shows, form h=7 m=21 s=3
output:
h=4 m=54 s=38
